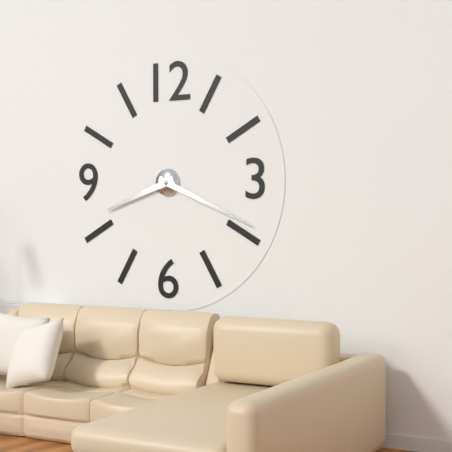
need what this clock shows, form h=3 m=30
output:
h=8 m=19
